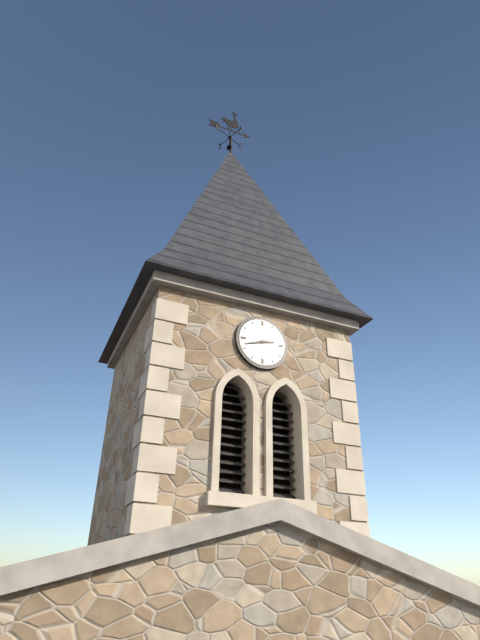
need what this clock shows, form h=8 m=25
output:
h=2 m=42
